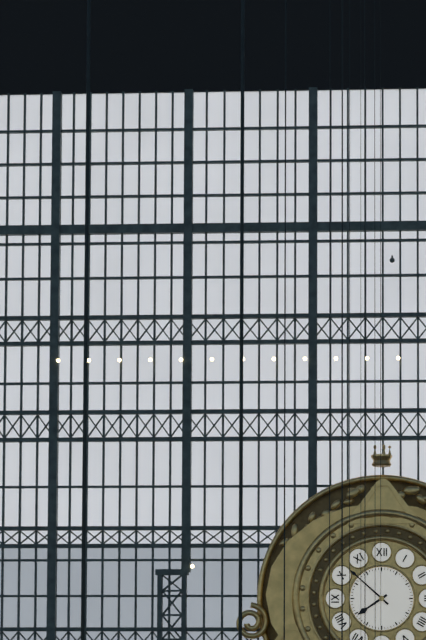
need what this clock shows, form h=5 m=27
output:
h=7 m=52
